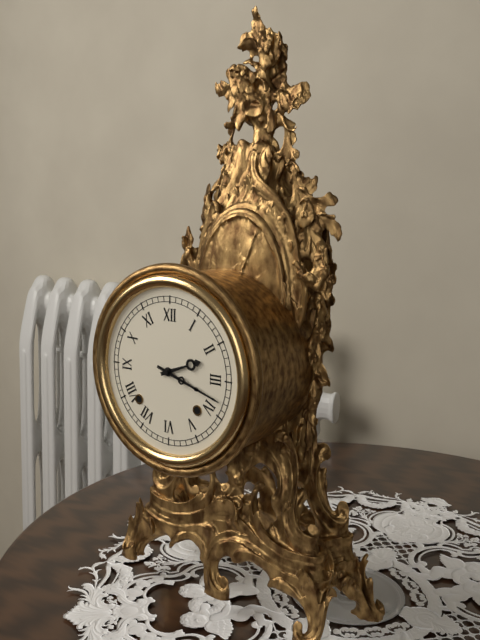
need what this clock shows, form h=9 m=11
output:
h=2 m=18
